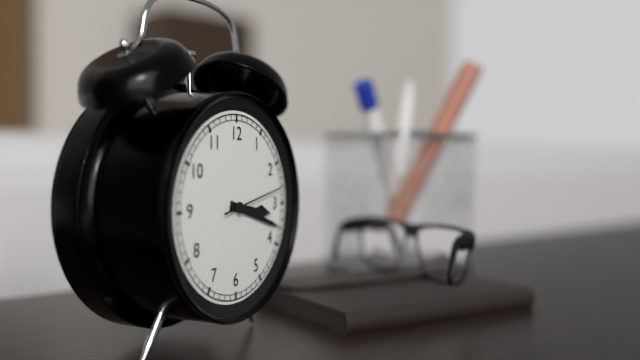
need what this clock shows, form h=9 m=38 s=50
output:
h=3 m=18 s=13
